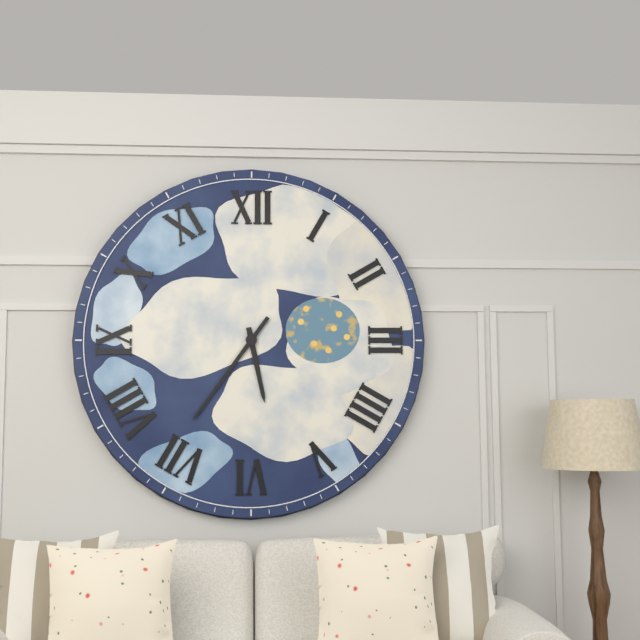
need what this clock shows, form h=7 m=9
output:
h=5 m=36
